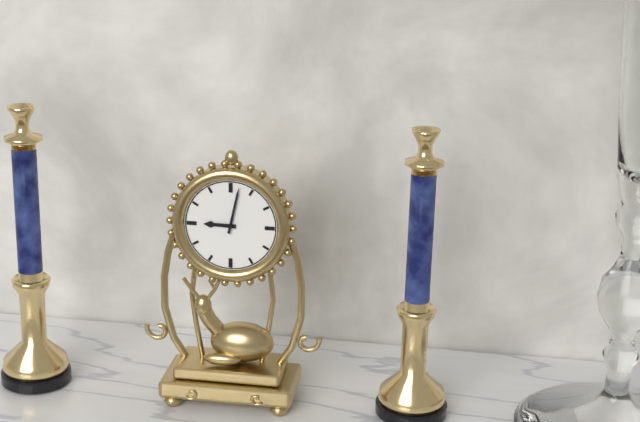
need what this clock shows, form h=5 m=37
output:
h=9 m=2
